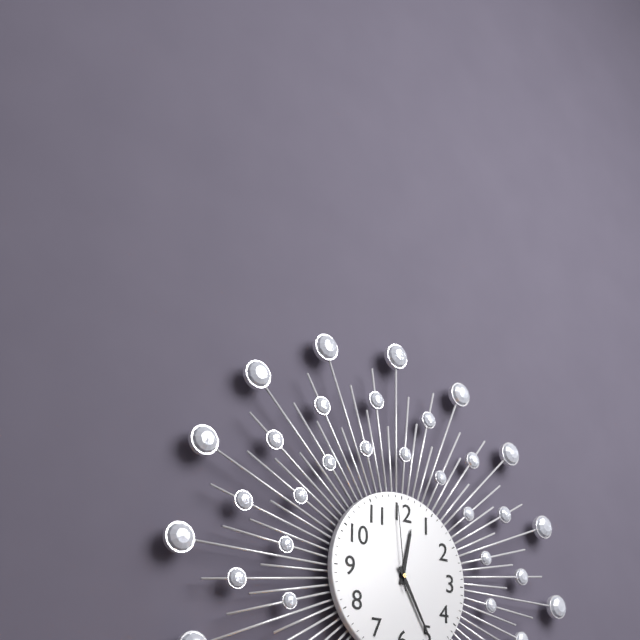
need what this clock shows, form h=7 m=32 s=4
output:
h=12 m=25 s=59
